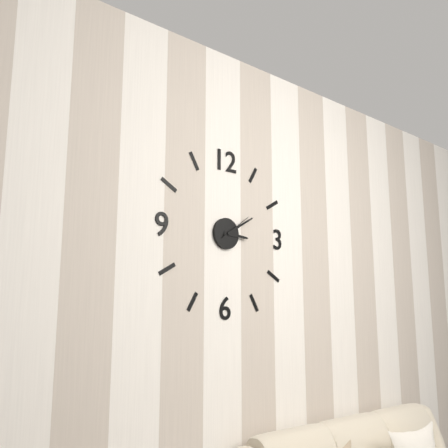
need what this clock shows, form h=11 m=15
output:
h=3 m=10
